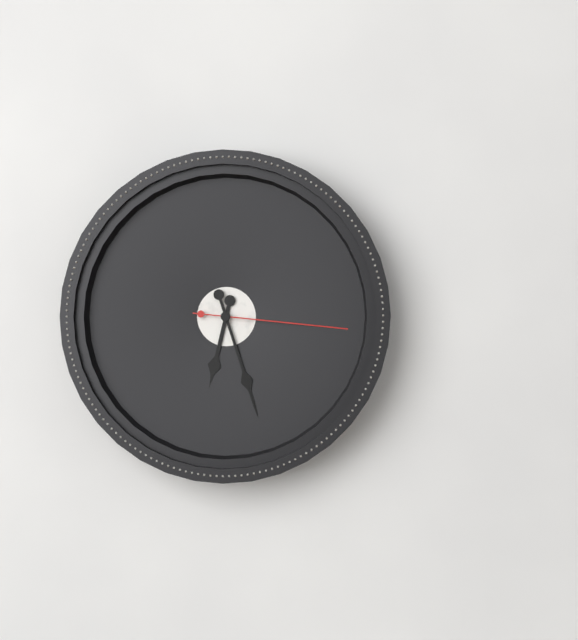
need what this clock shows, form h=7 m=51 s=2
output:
h=6 m=27 s=16
